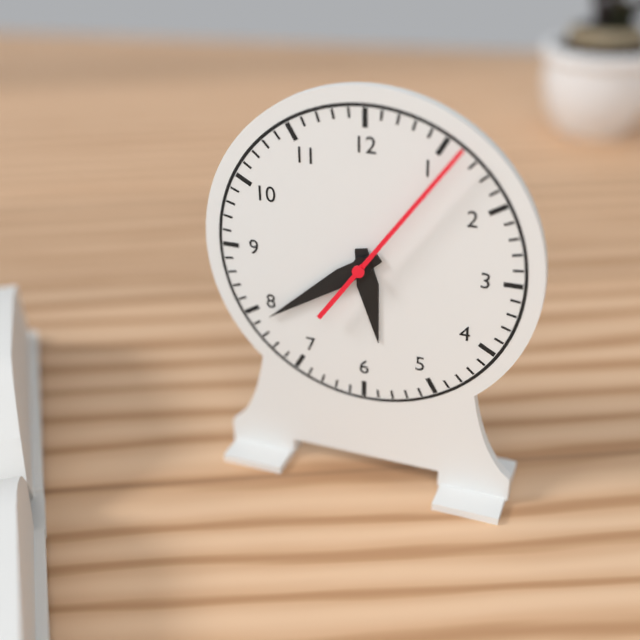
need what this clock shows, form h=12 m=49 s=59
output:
h=5 m=39 s=6
